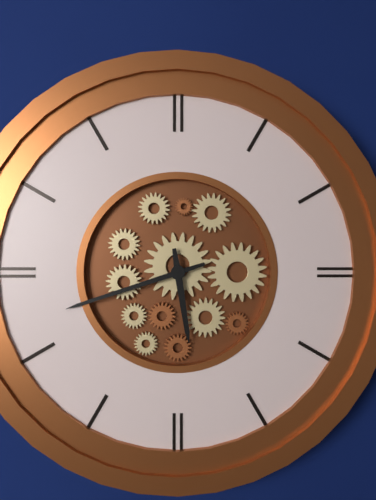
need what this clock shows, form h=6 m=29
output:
h=5 m=42
